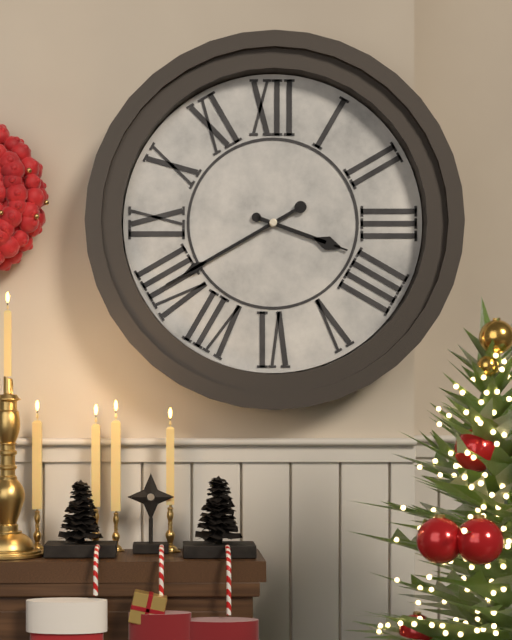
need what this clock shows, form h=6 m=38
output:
h=3 m=40
